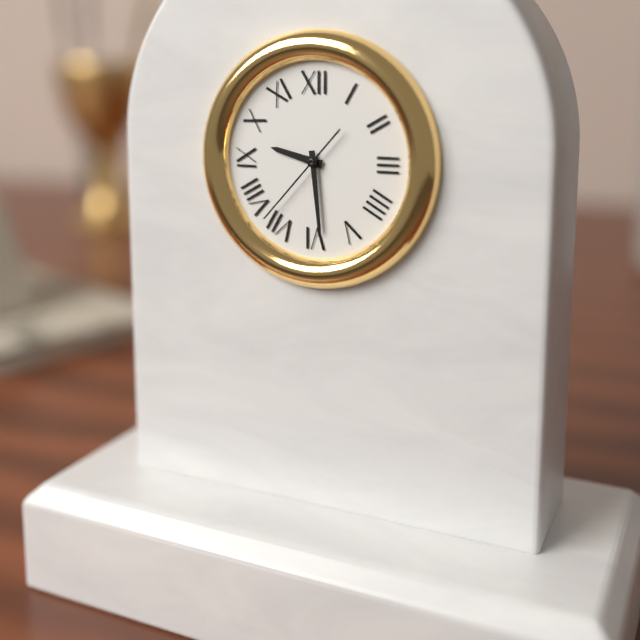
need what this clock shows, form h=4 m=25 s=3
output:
h=9 m=29 s=37
